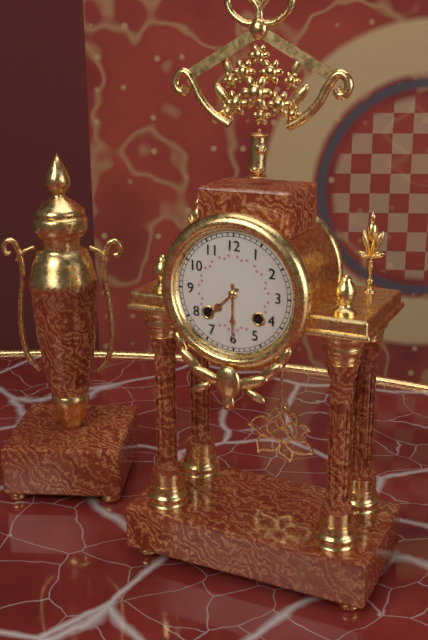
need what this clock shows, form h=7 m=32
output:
h=7 m=30
